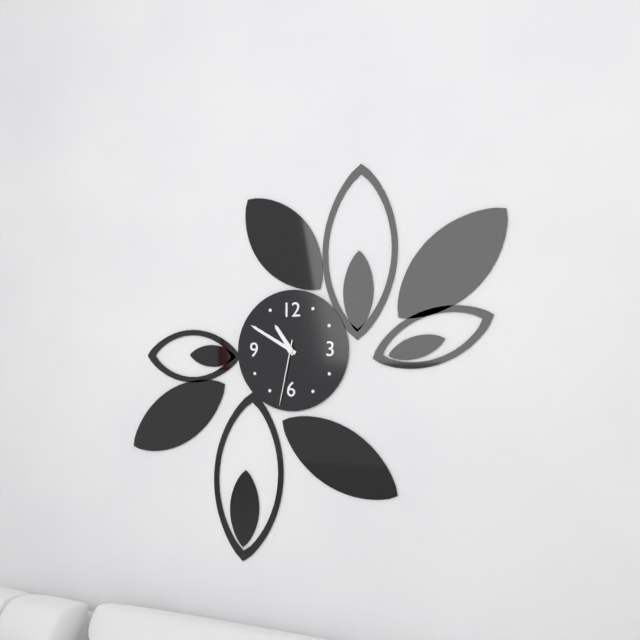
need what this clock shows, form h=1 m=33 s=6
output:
h=10 m=50 s=32
